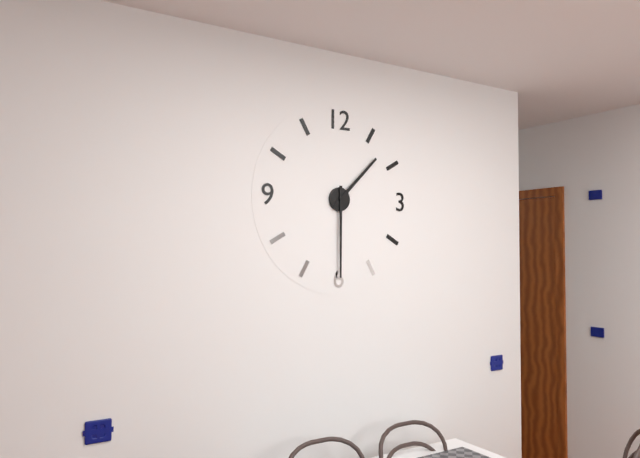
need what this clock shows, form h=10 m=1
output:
h=1 m=30
